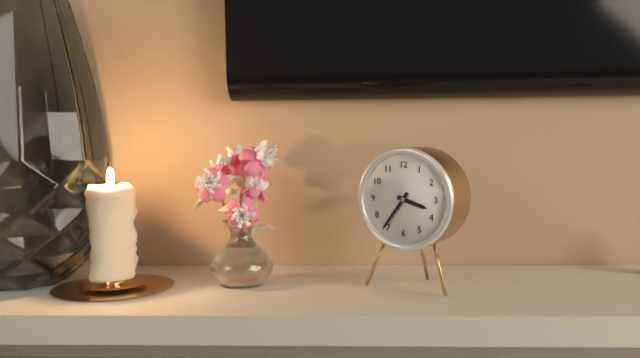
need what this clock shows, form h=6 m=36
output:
h=3 m=36
